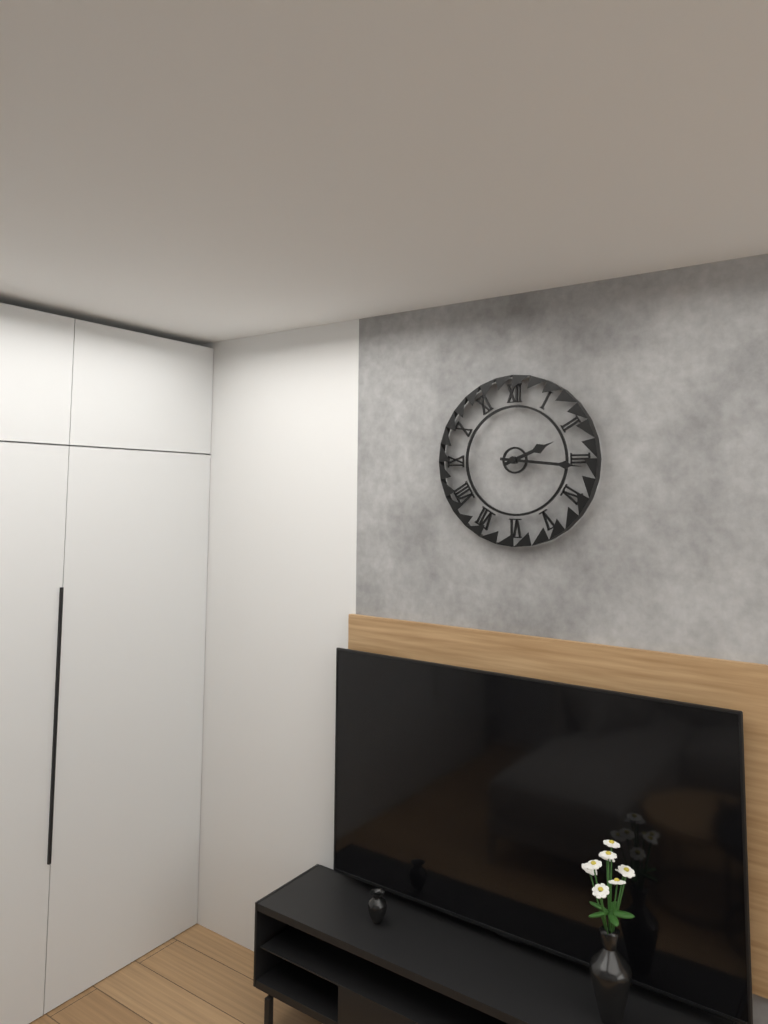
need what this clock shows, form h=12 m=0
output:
h=2 m=16
